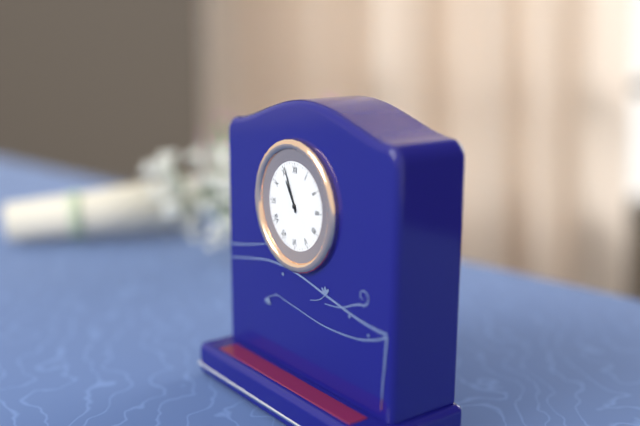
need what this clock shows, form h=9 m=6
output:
h=10 m=56
